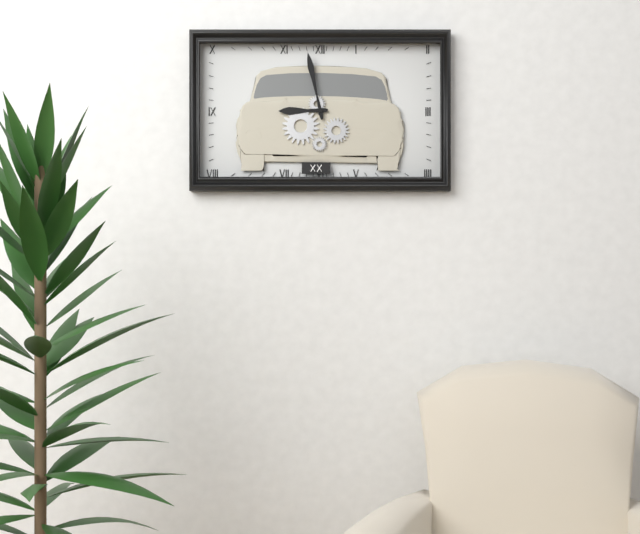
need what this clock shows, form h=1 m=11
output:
h=8 m=58
